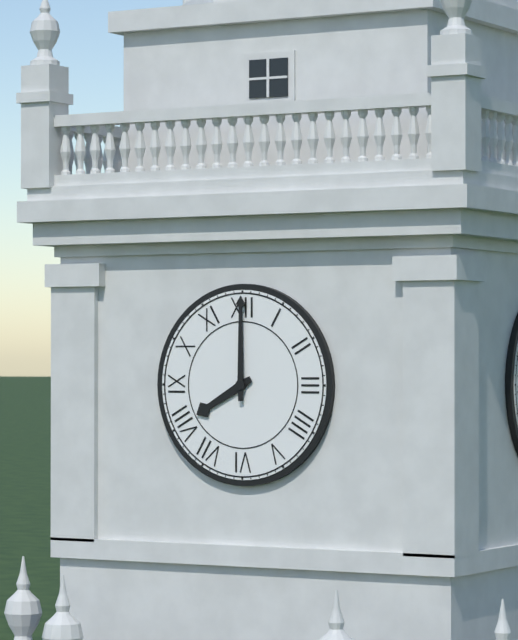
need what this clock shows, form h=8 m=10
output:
h=8 m=0
